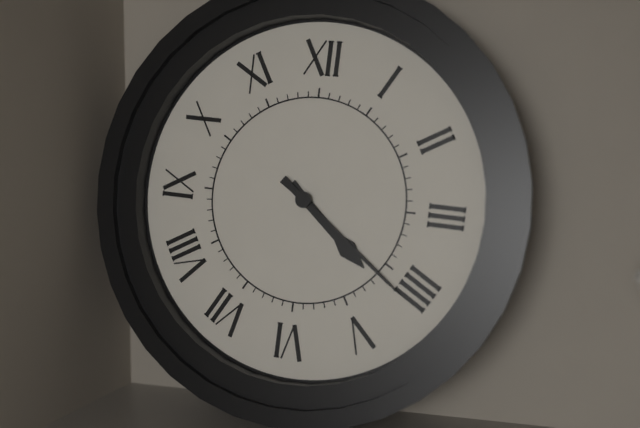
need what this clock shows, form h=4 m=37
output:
h=4 m=21
